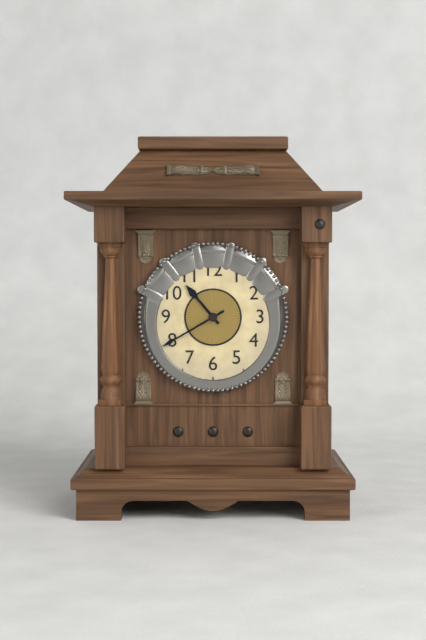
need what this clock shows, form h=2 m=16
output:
h=10 m=40
